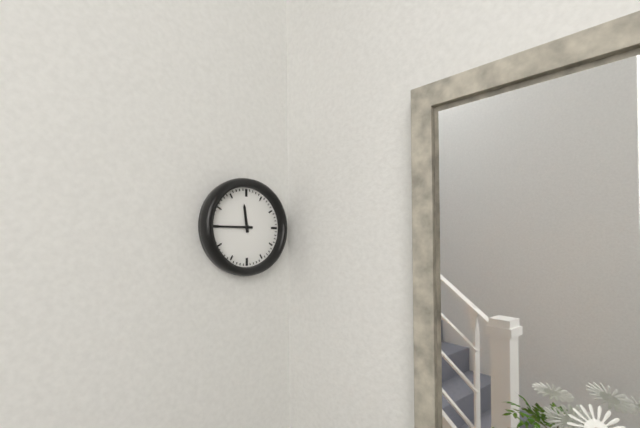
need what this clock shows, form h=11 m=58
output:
h=11 m=45
